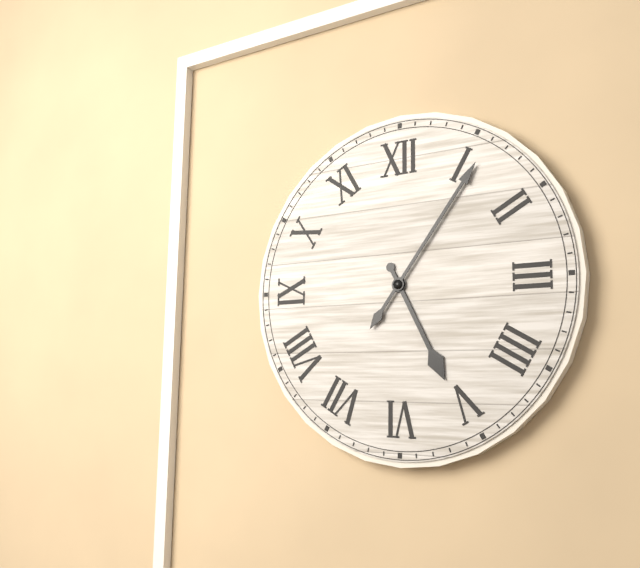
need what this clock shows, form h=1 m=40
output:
h=5 m=6
